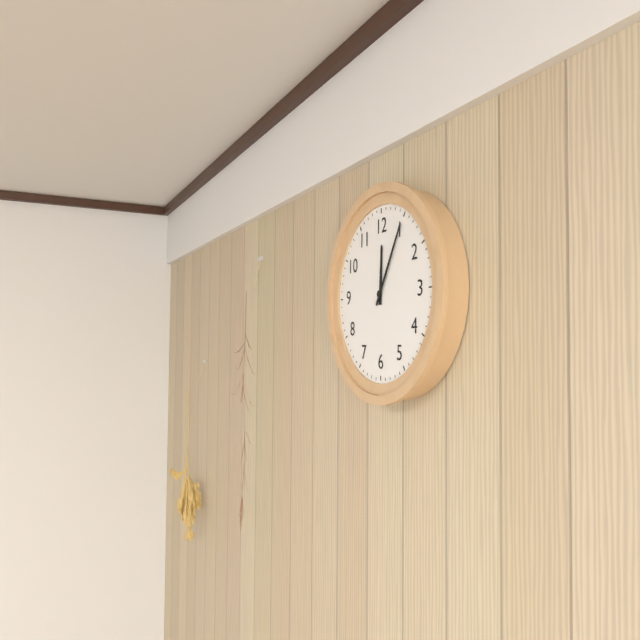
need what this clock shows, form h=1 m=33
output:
h=12 m=5
